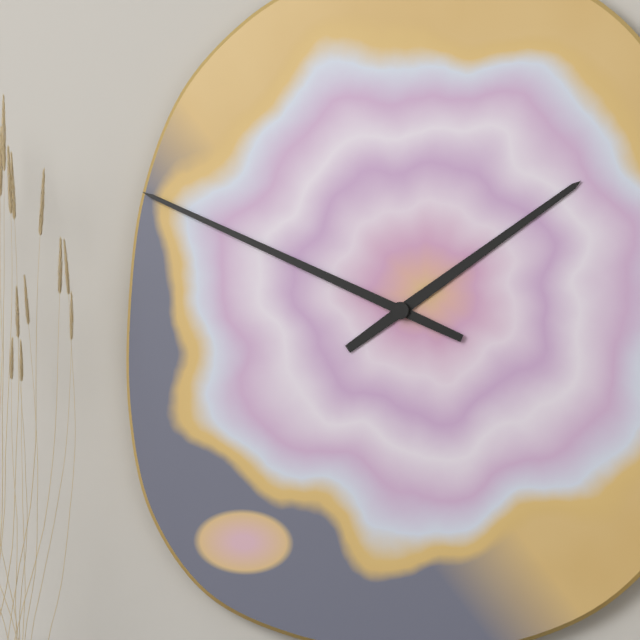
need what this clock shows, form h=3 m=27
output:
h=1 m=49
